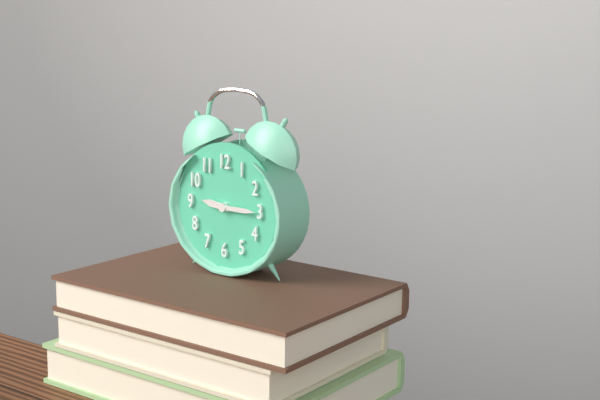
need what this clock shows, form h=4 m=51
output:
h=9 m=15
